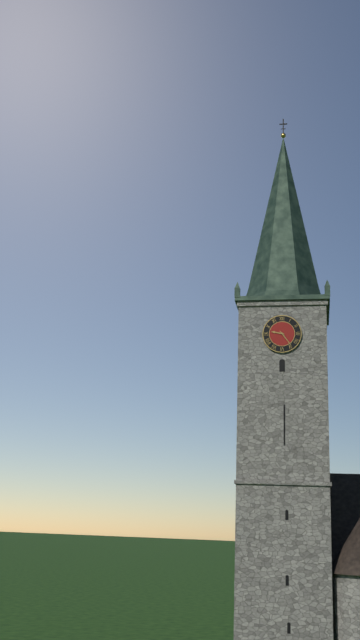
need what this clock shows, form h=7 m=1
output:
h=9 m=24
